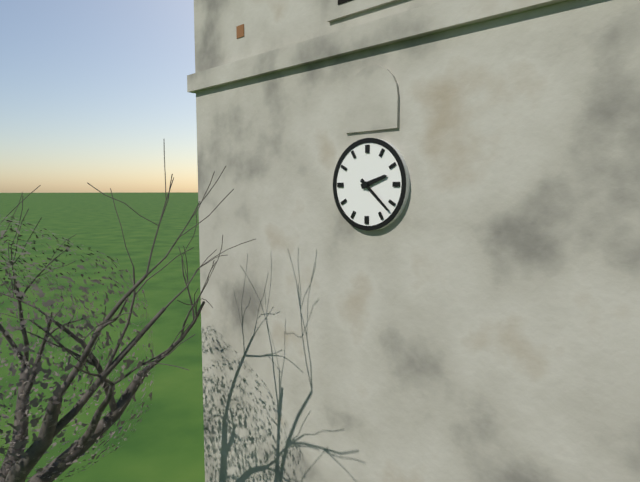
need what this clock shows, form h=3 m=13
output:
h=2 m=22
